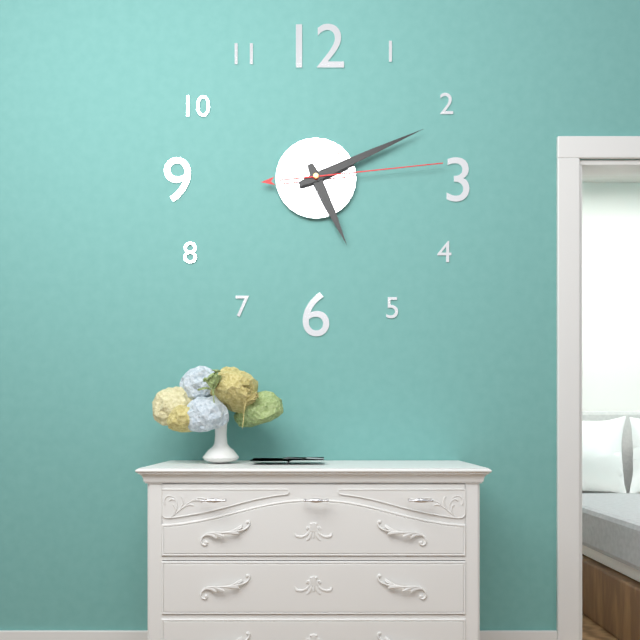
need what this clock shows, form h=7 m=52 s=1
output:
h=5 m=11 s=14
